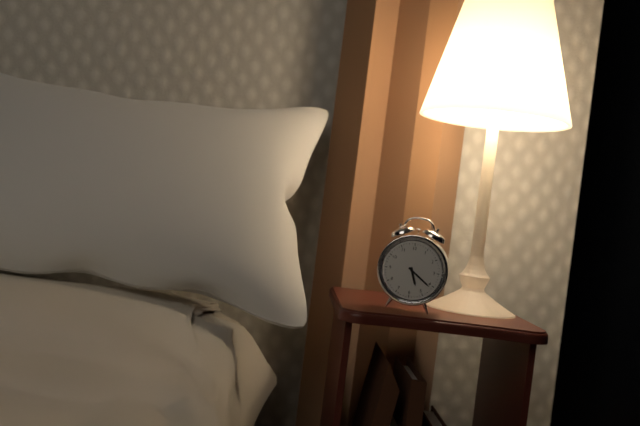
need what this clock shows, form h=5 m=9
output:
h=5 m=21
